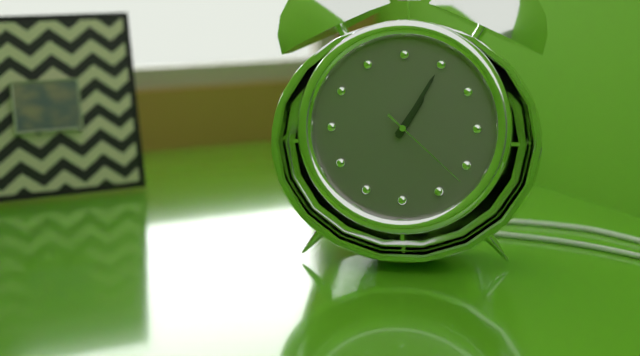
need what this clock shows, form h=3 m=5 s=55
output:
h=1 m=5 s=22
